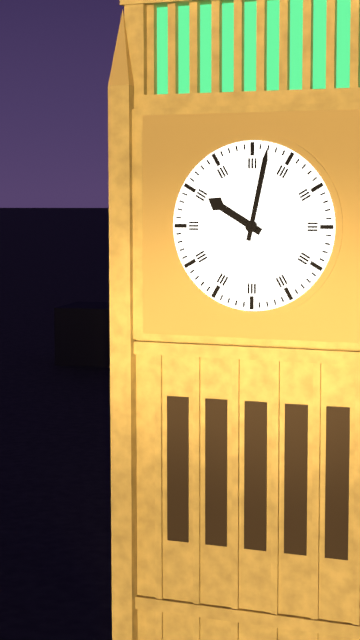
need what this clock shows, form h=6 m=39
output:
h=10 m=2
